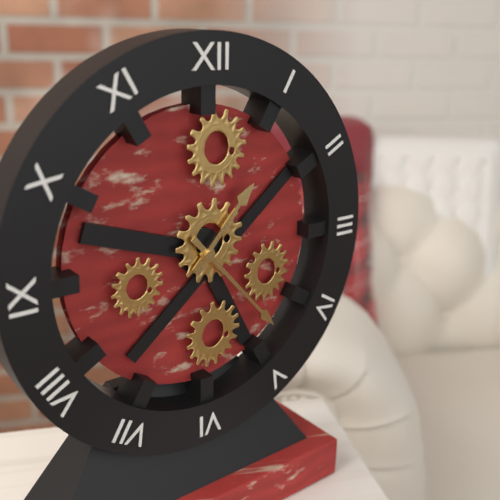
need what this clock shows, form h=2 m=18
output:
h=1 m=23
